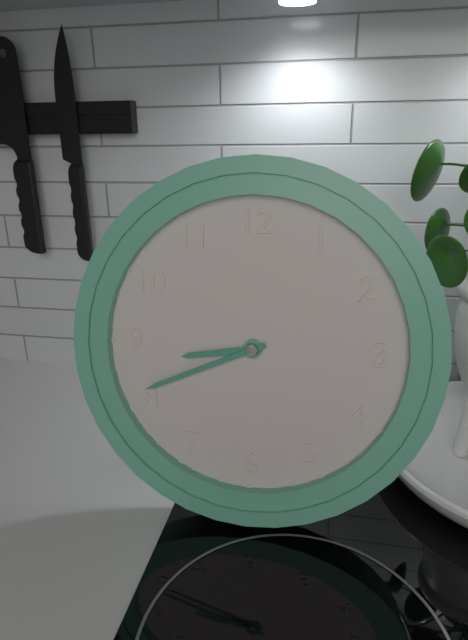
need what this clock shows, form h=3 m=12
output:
h=8 m=41
